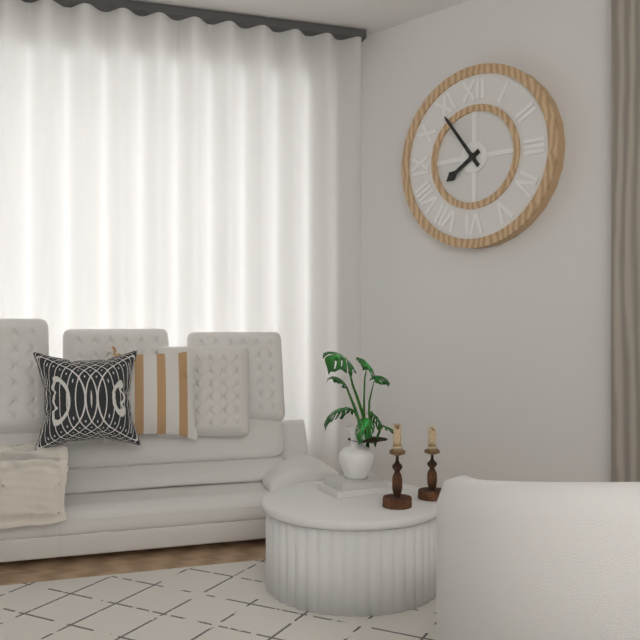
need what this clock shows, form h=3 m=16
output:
h=7 m=54
